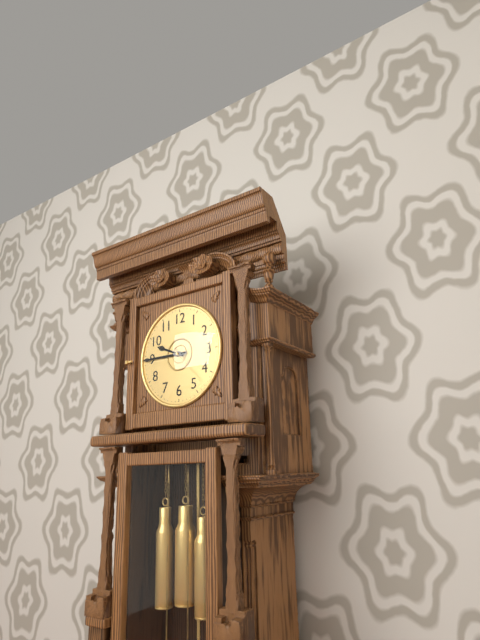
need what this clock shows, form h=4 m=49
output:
h=9 m=45
